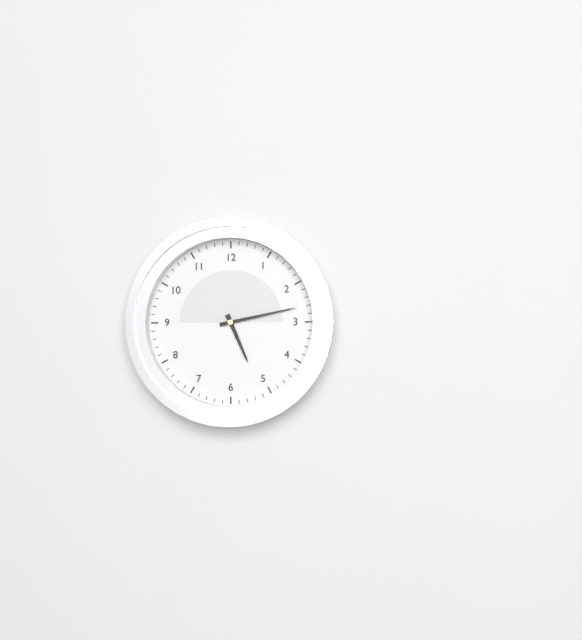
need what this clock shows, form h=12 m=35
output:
h=5 m=13
